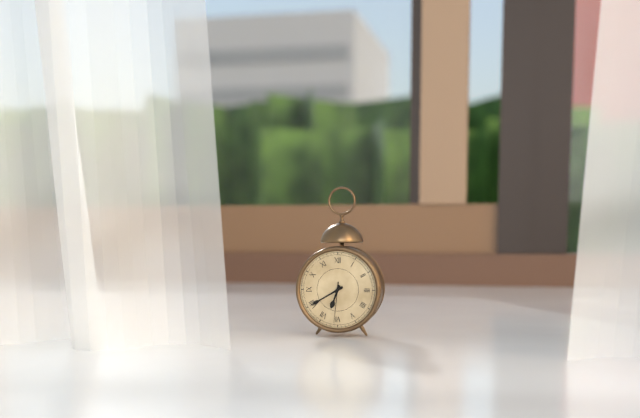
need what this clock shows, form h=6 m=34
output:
h=6 m=40
